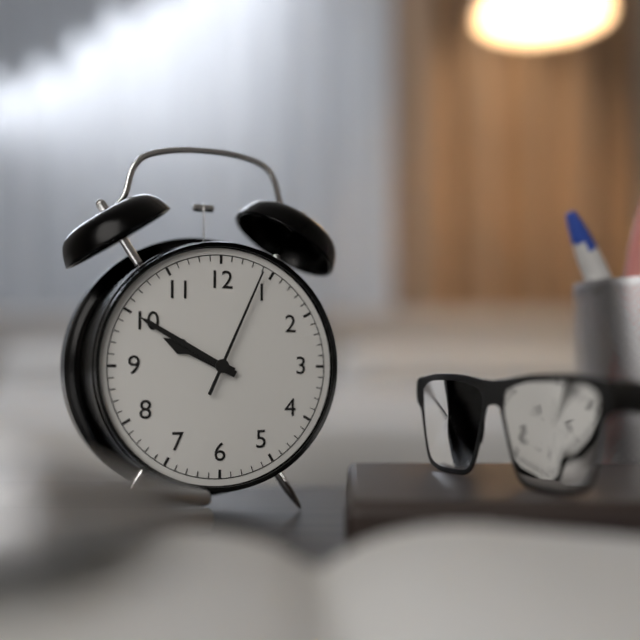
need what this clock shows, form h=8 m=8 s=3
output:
h=9 m=50 s=4
